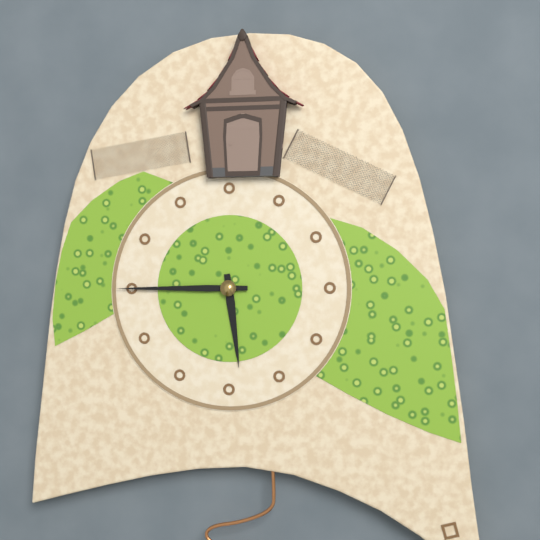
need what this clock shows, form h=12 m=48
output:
h=5 m=45
